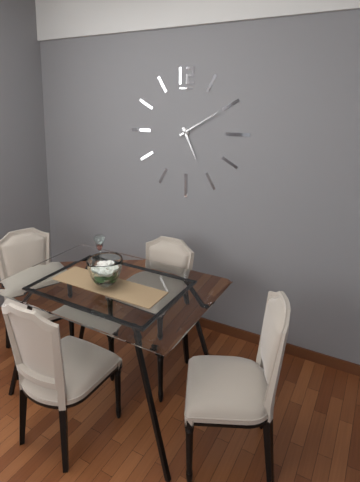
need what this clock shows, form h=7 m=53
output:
h=5 m=10
